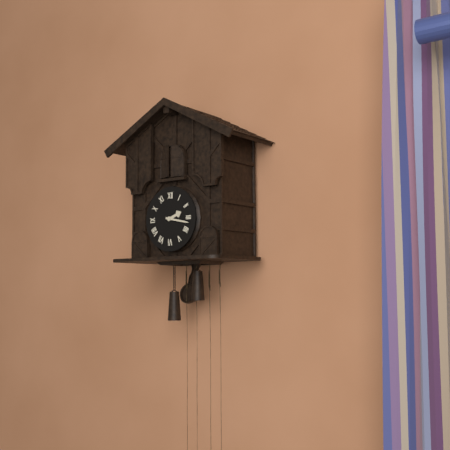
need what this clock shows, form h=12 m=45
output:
h=2 m=17
